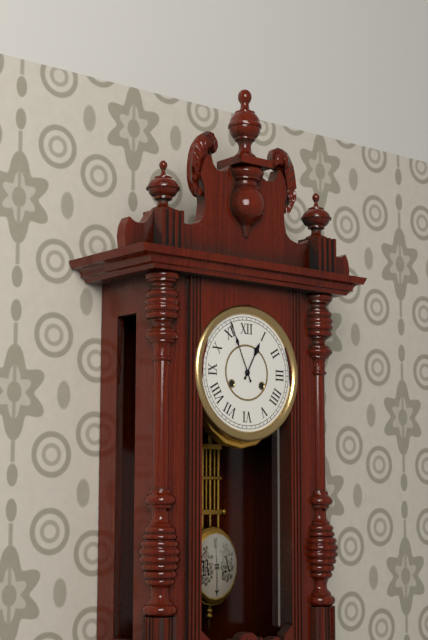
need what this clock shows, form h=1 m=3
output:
h=12 m=56
